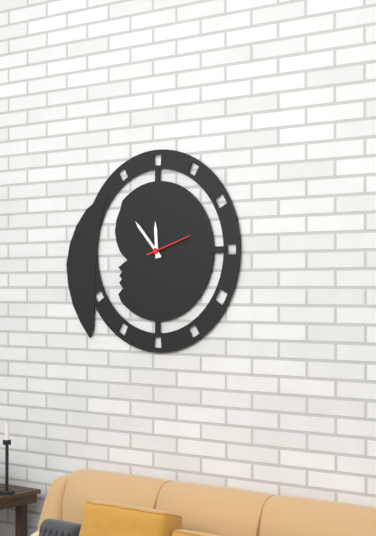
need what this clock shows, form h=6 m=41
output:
h=11 m=53
